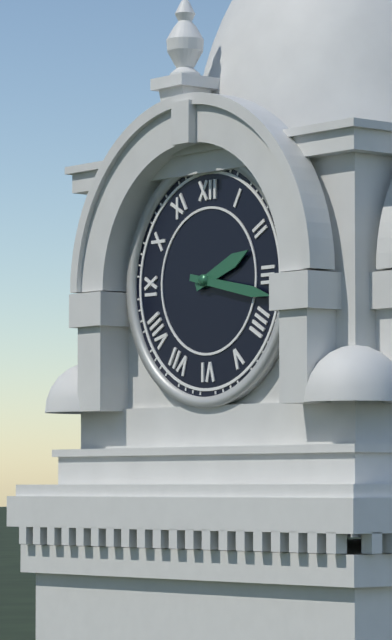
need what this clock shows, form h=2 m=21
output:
h=2 m=17
